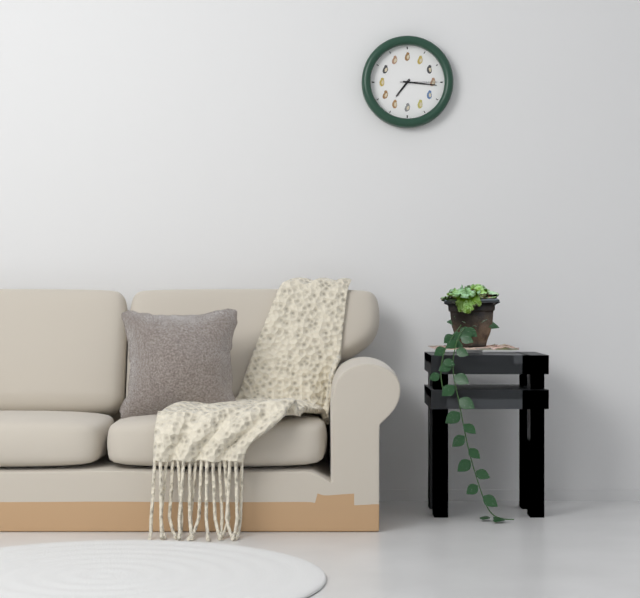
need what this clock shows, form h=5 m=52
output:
h=7 m=16
